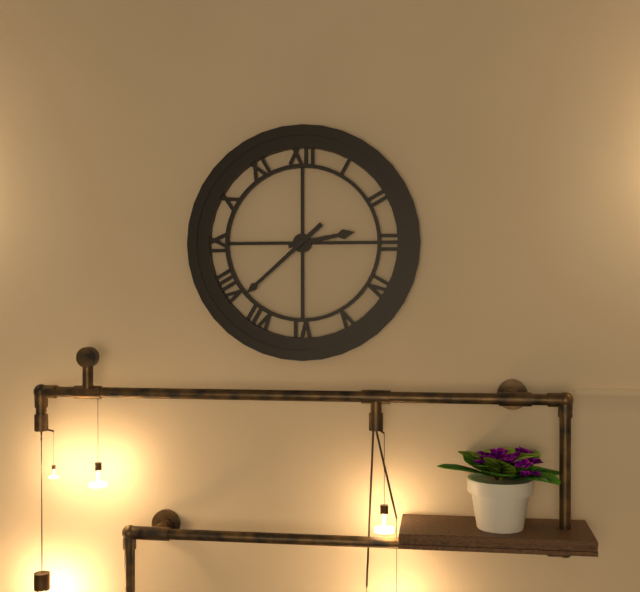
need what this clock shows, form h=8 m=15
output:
h=2 m=38
